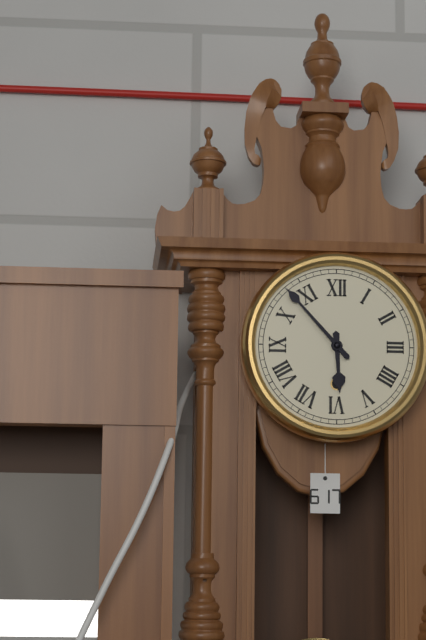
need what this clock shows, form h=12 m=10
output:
h=5 m=53
